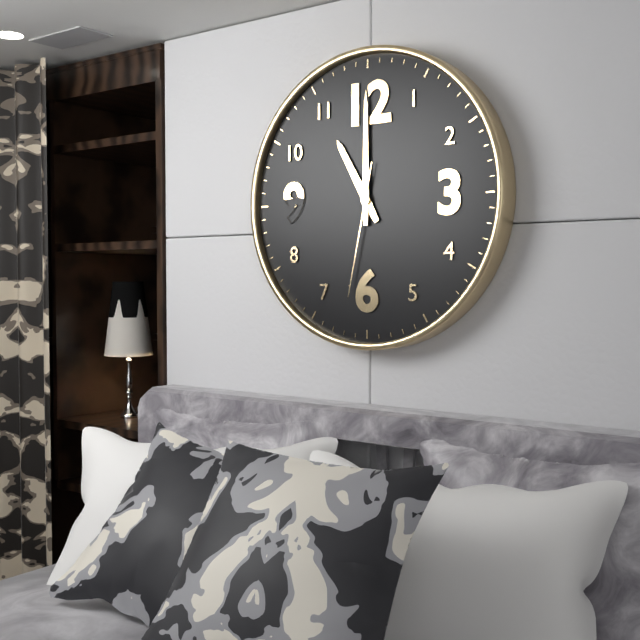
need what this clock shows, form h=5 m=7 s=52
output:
h=11 m=0 s=32
